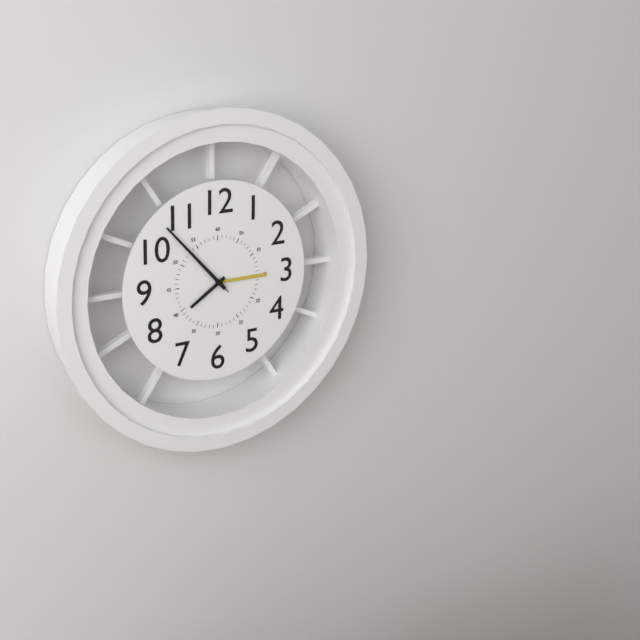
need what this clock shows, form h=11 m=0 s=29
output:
h=7 m=53 s=53
